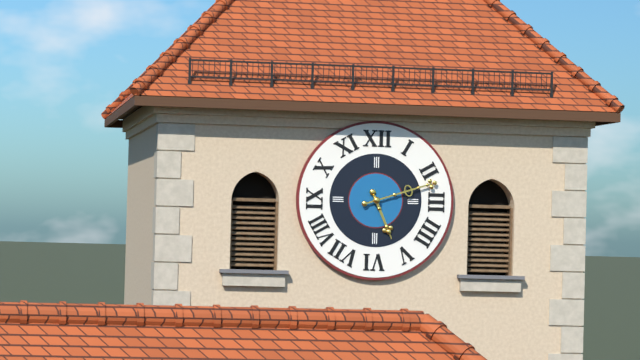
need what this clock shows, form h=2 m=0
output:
h=5 m=12
